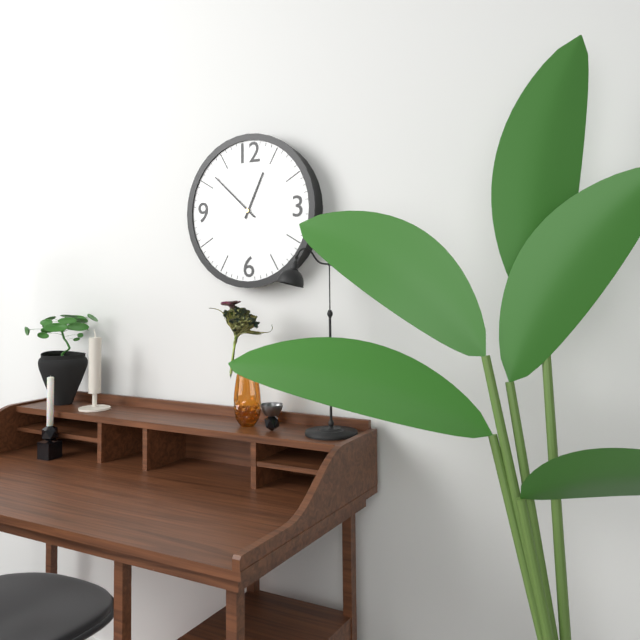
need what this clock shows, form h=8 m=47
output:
h=12 m=52
